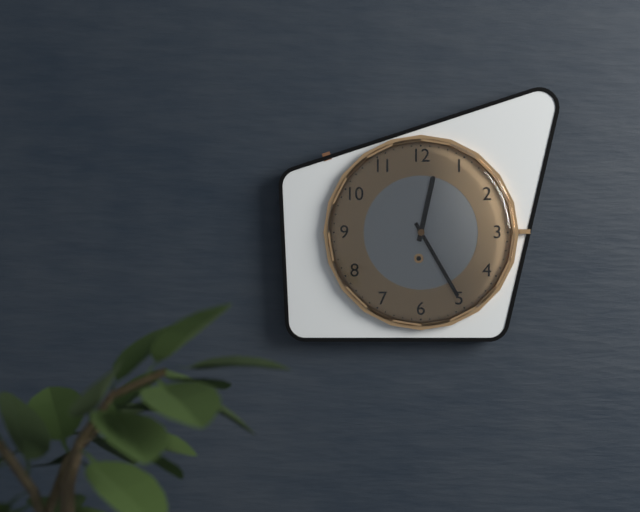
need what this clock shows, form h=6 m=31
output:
h=12 m=25
